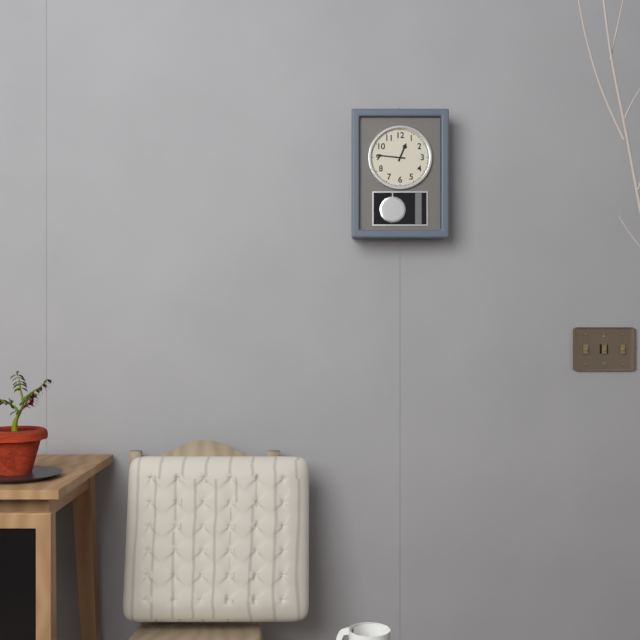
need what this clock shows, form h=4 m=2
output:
h=12 m=46
